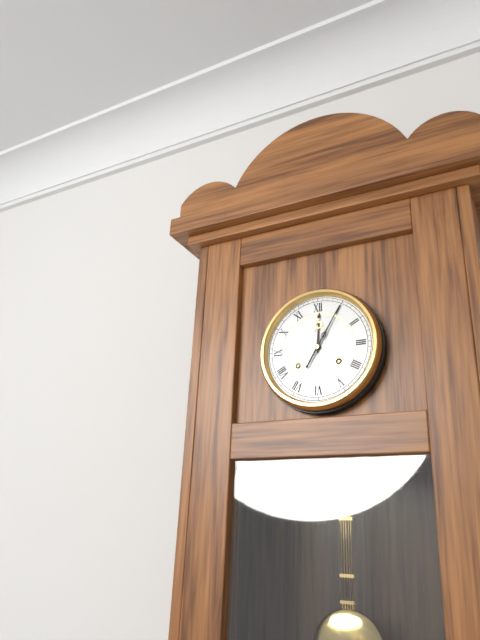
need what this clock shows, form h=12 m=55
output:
h=12 m=5
